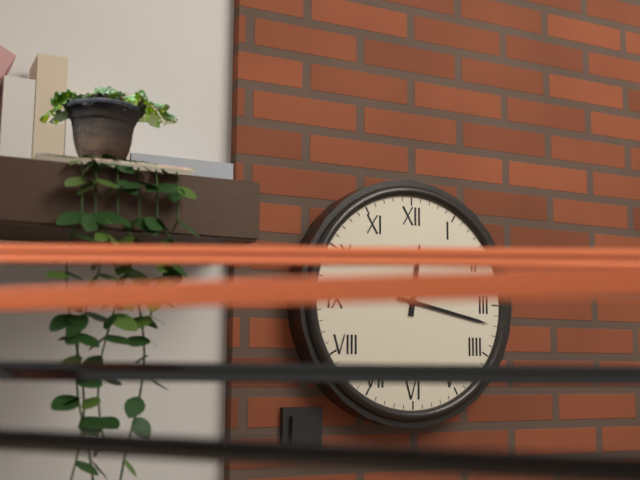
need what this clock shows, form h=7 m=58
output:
h=12 m=17
